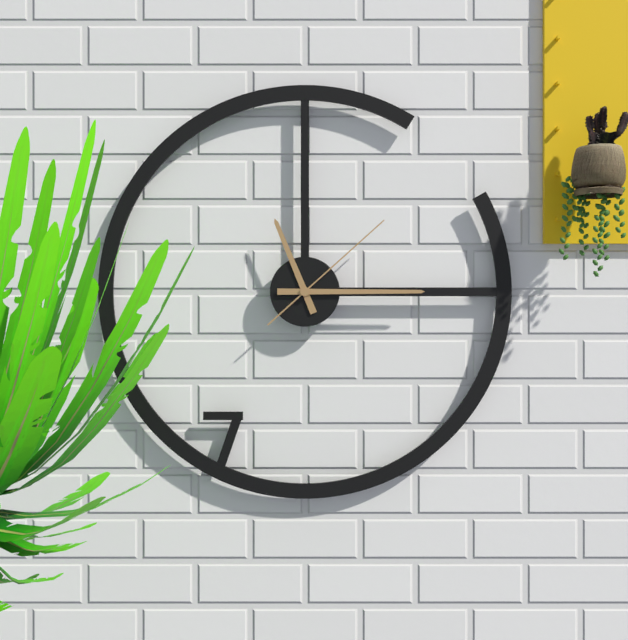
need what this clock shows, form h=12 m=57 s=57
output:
h=11 m=15 s=8
